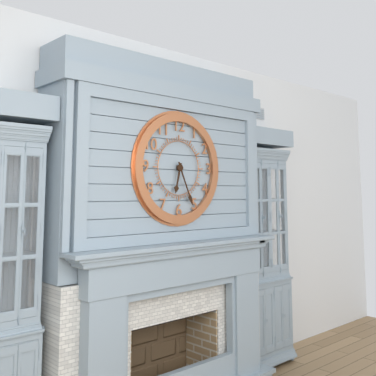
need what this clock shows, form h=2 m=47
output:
h=6 m=26
